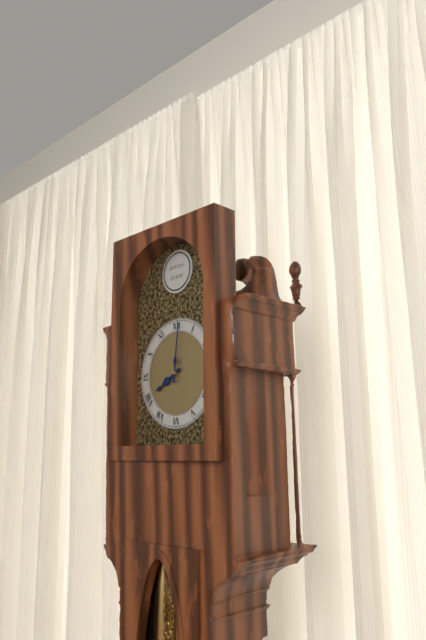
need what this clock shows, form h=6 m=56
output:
h=8 m=1
